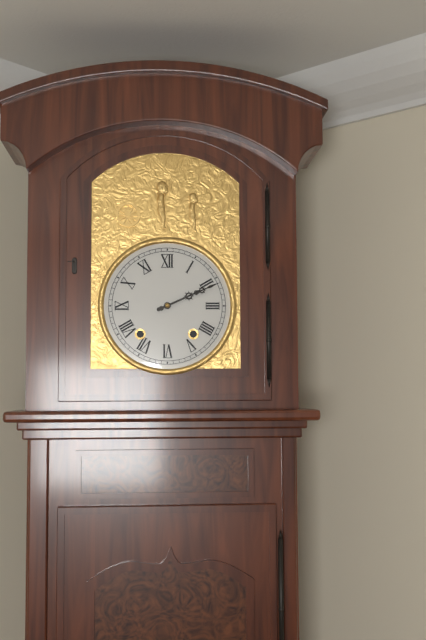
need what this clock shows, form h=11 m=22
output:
h=2 m=11
